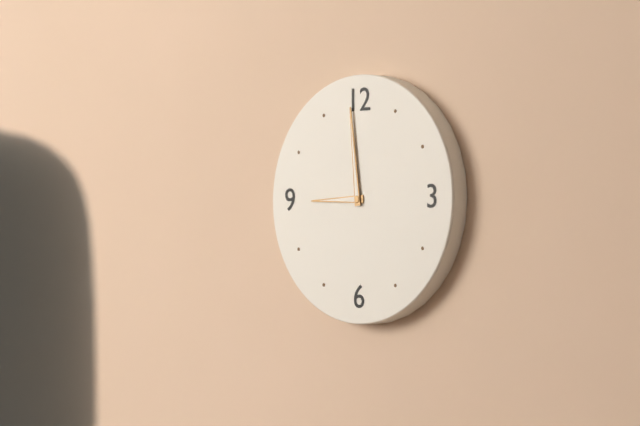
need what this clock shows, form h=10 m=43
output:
h=8 m=59
